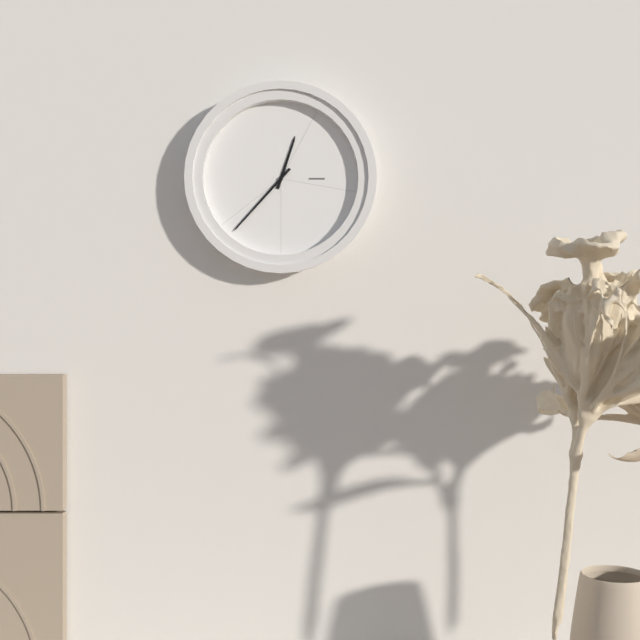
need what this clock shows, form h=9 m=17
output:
h=12 m=37
